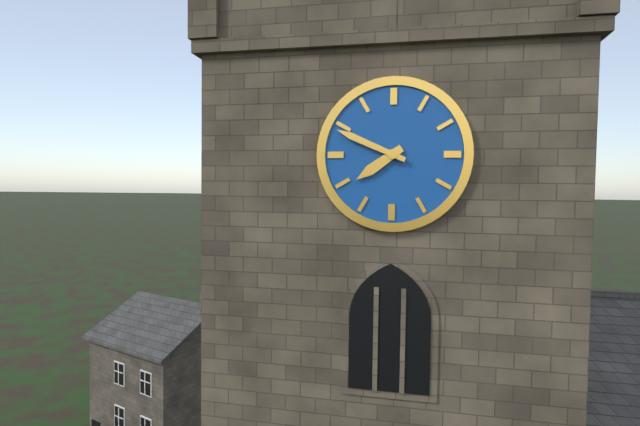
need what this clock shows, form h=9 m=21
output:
h=7 m=49
